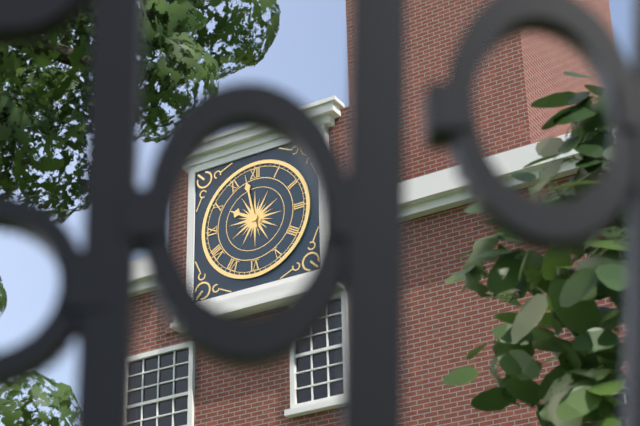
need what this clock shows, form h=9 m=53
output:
h=9 m=58
